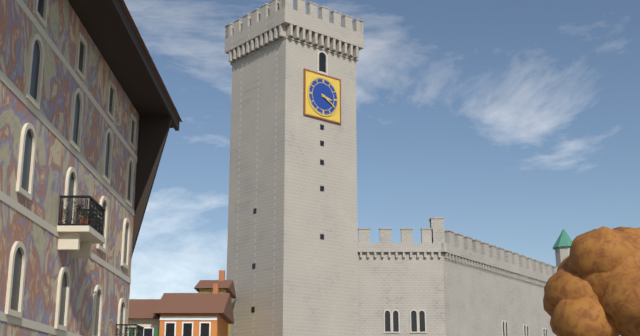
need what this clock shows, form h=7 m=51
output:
h=3 m=20
